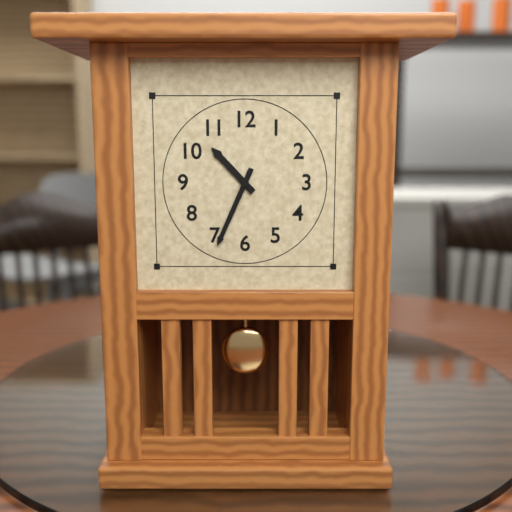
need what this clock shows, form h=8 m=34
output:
h=10 m=34
